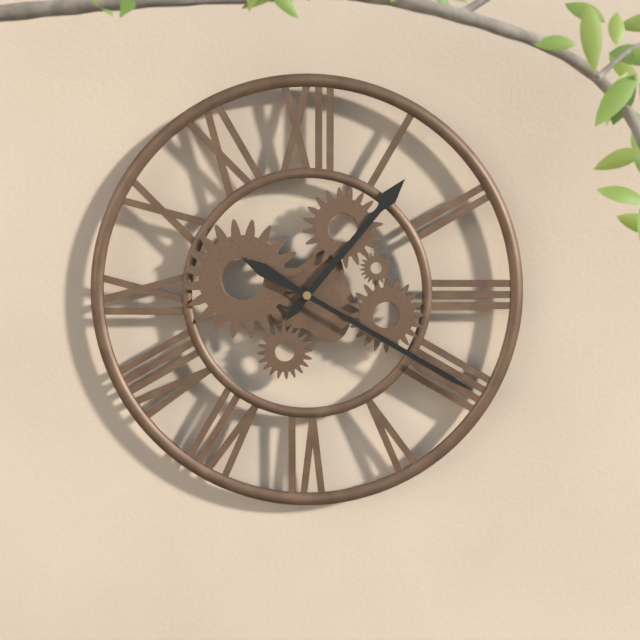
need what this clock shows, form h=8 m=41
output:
h=1 m=20
